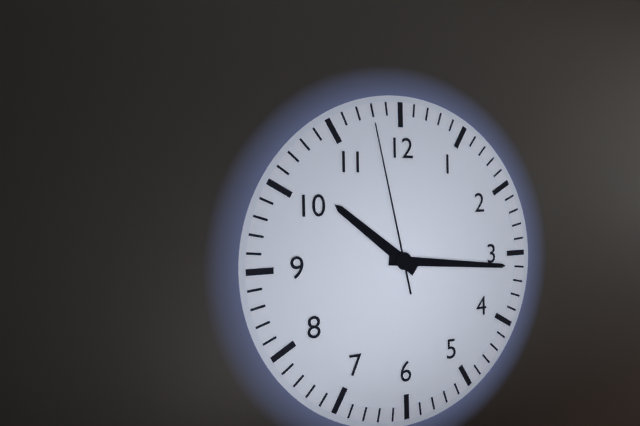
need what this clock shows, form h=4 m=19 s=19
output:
h=10 m=16 s=58
